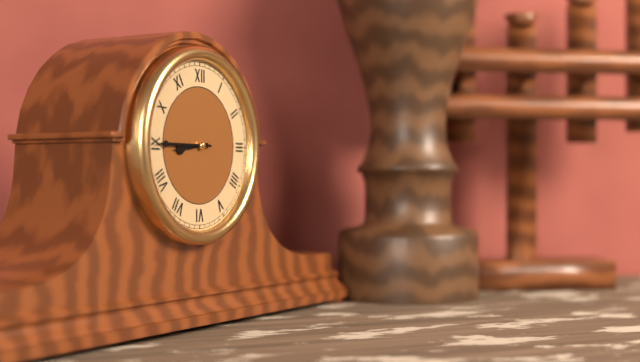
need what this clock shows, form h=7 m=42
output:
h=8 m=45
